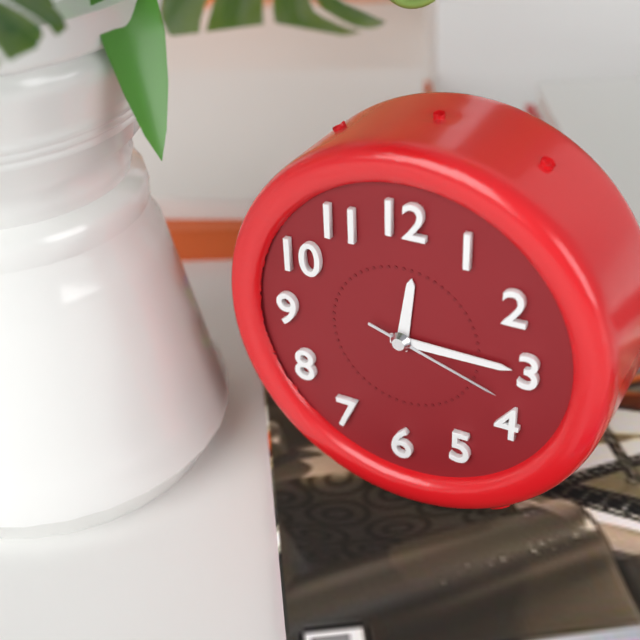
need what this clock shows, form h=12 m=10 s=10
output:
h=12 m=15 s=18
